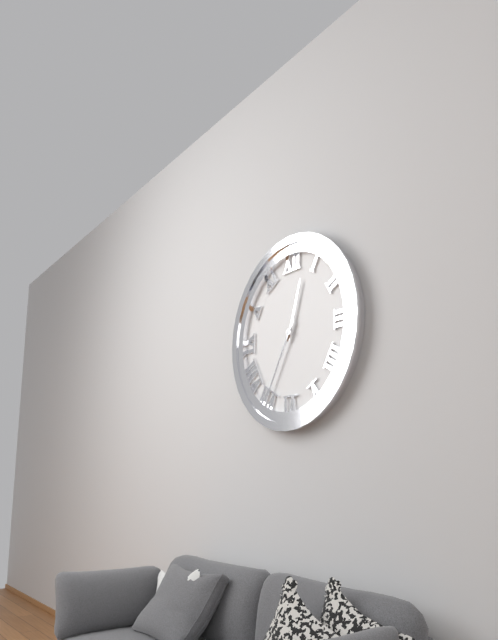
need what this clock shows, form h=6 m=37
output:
h=12 m=35
